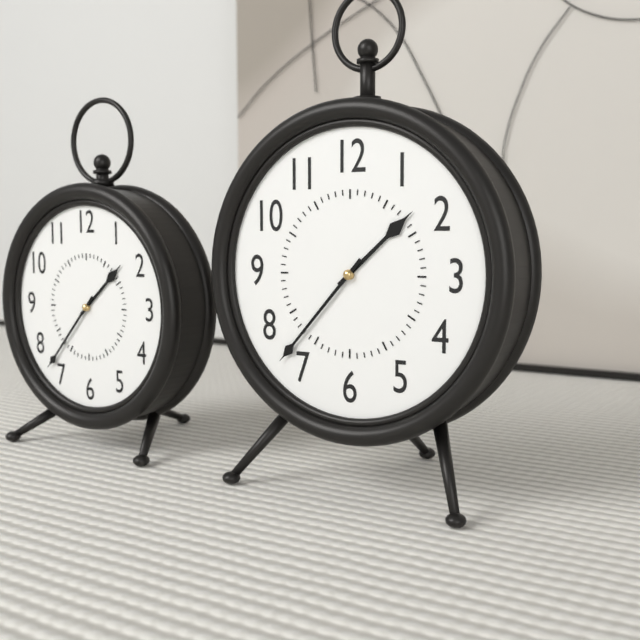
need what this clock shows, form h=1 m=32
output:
h=1 m=37
